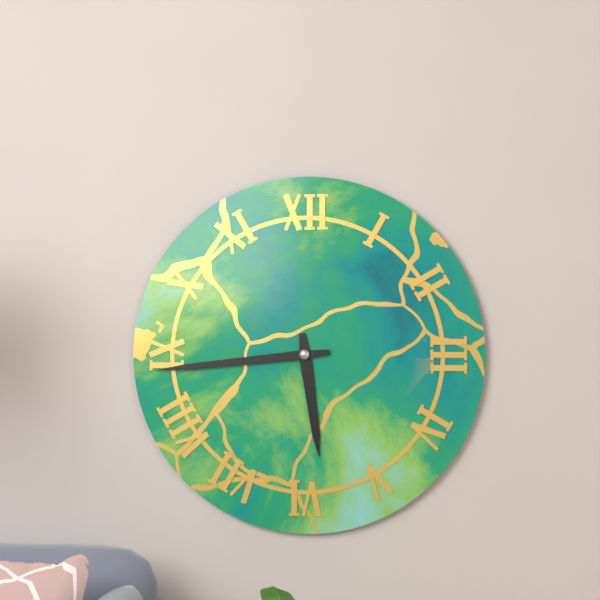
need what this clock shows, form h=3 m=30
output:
h=5 m=44
